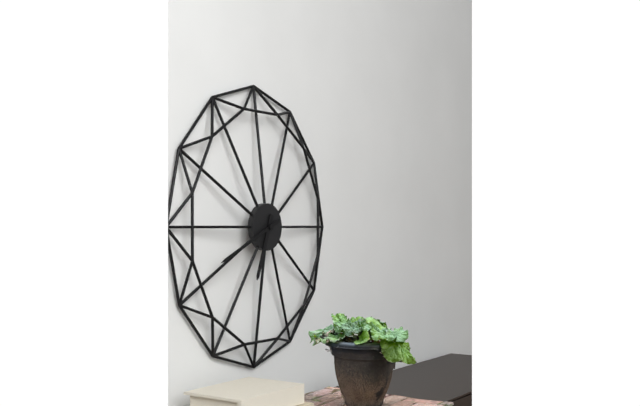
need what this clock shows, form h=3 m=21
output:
h=6 m=41
